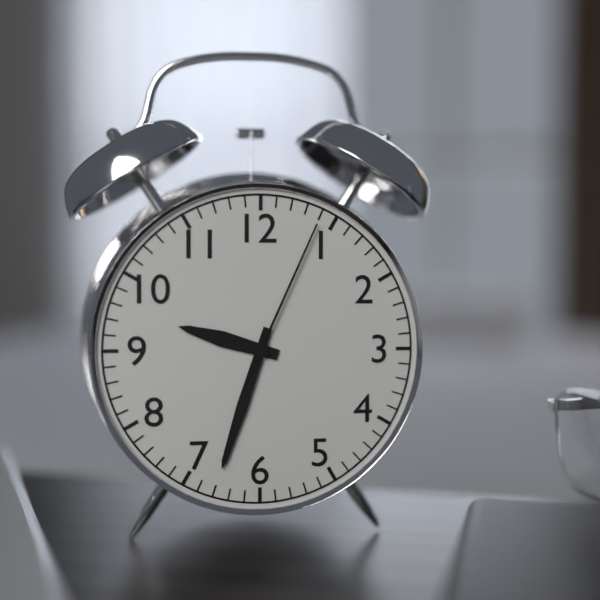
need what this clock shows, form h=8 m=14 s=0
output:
h=9 m=33 s=4
